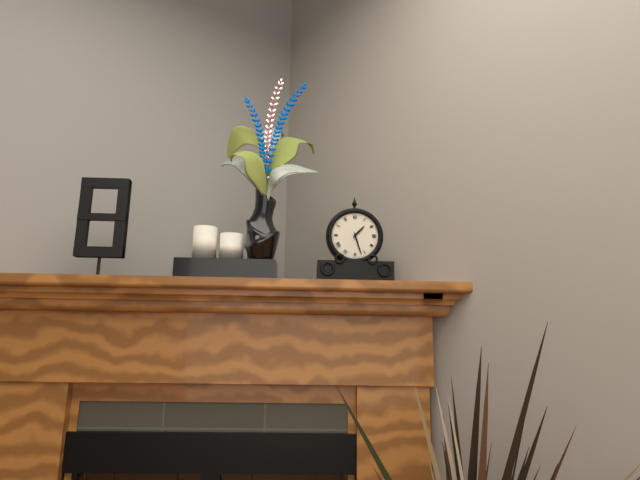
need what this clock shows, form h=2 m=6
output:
h=1 m=27
